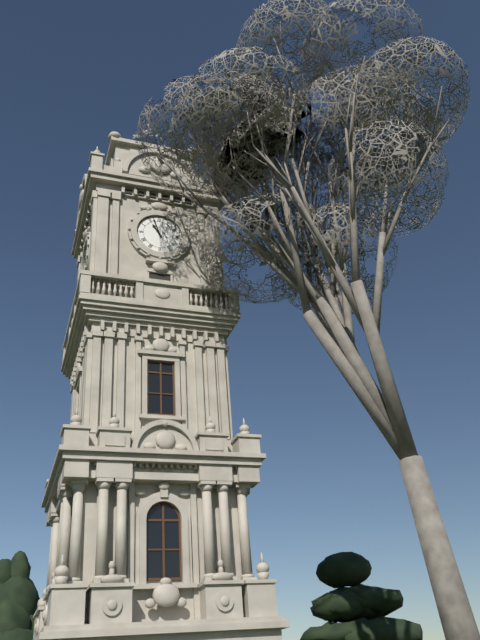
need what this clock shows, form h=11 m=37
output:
h=10 m=57
